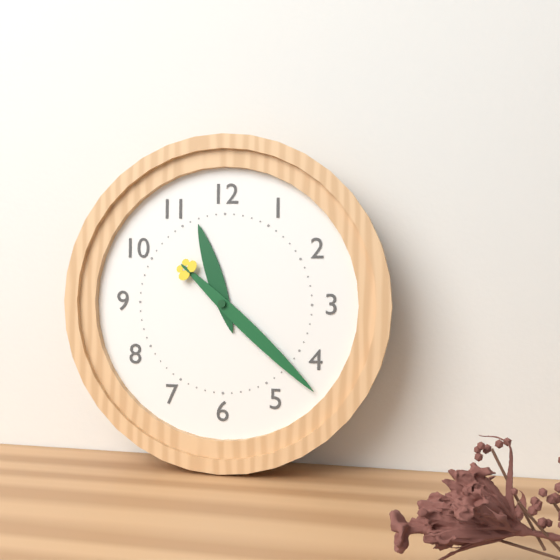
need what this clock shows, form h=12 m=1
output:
h=11 m=22
